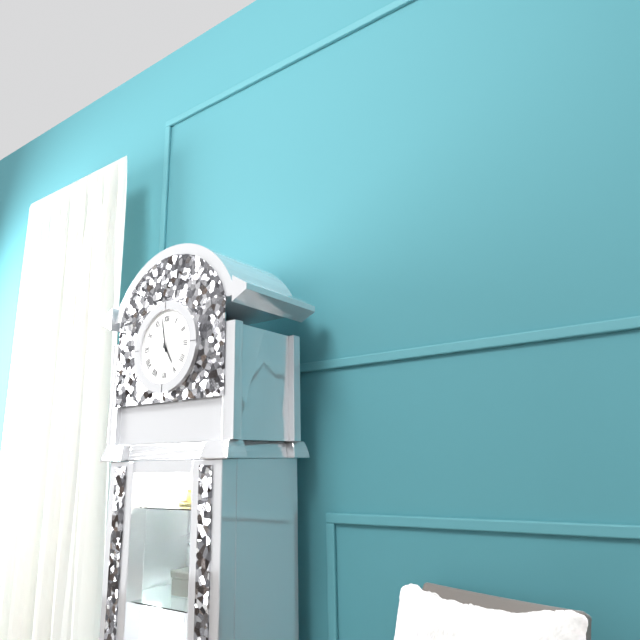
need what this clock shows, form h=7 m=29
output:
h=4 m=58
